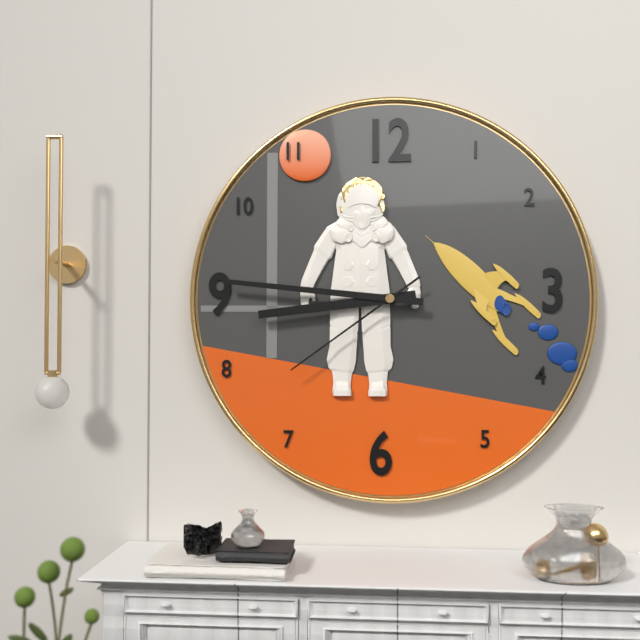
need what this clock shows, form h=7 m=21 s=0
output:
h=8 m=46 s=39
